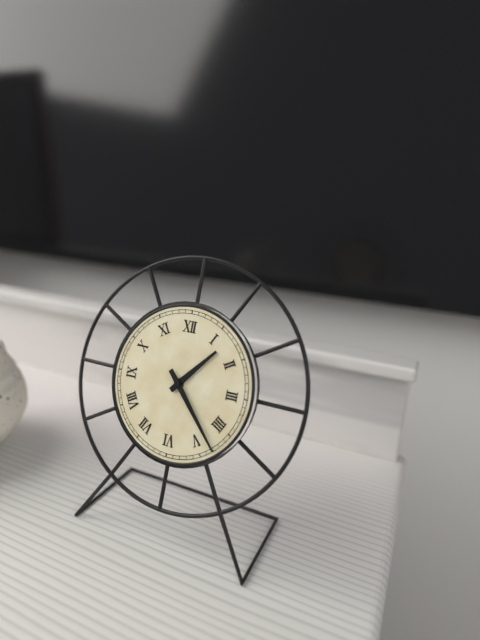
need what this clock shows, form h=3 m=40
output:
h=1 m=23
